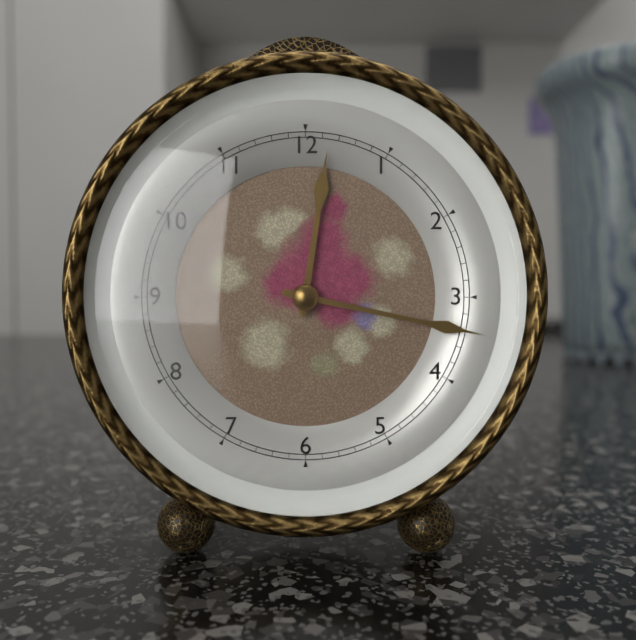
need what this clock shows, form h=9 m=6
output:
h=12 m=17
